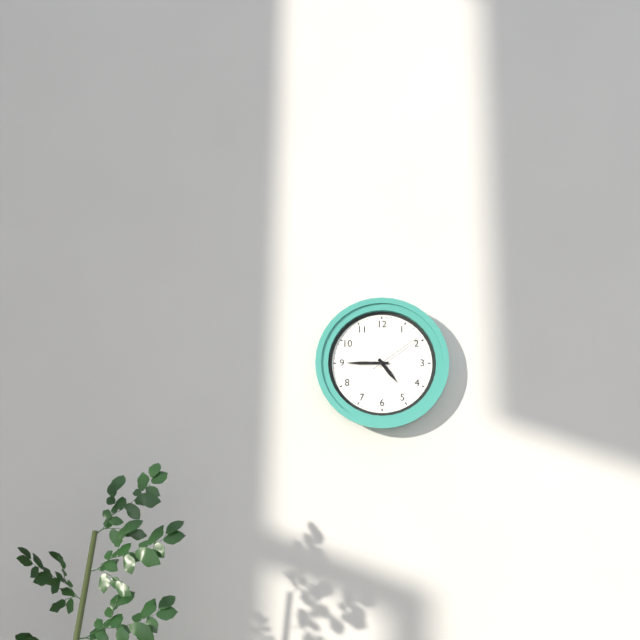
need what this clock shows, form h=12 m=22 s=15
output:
h=4 m=45 s=9
